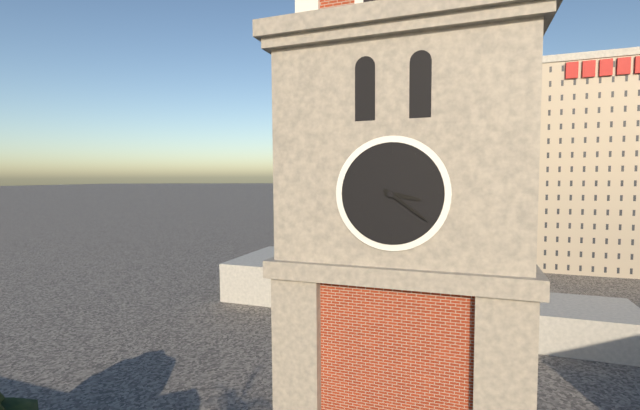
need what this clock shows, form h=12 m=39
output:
h=3 m=21
